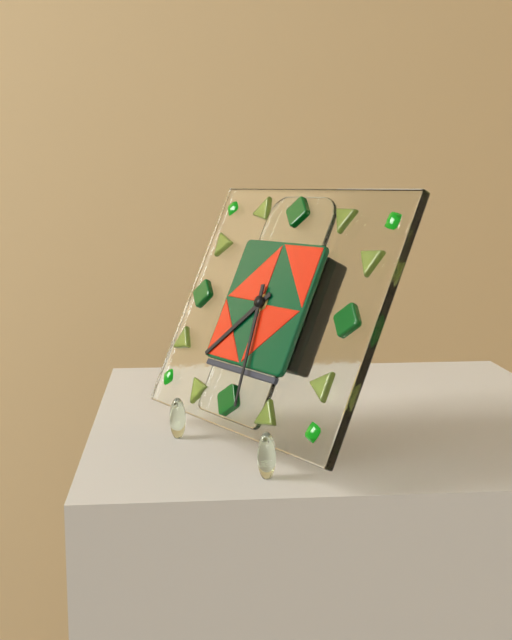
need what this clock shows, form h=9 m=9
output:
h=7 m=28
